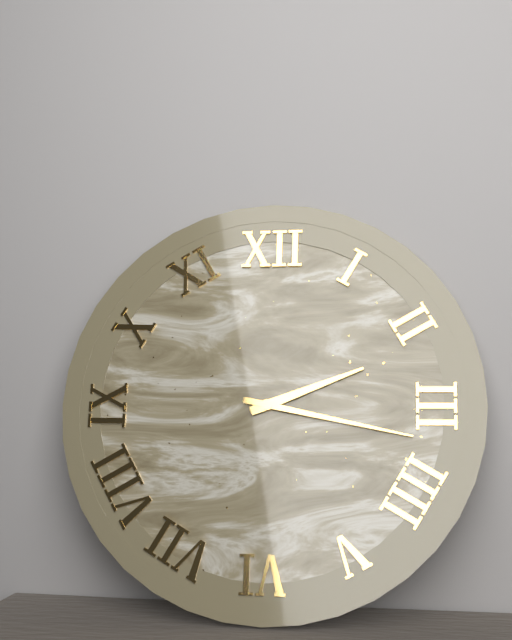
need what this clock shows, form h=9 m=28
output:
h=2 m=17
